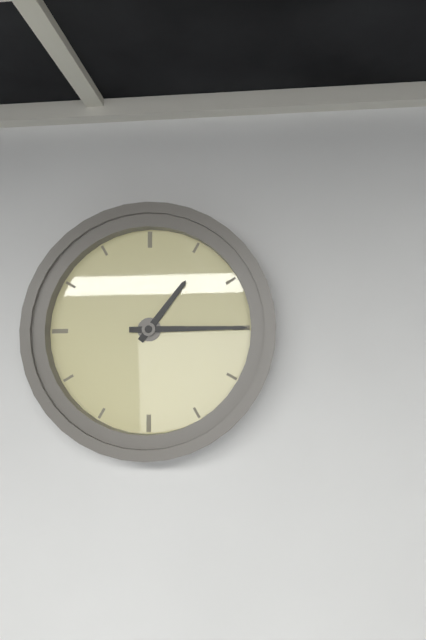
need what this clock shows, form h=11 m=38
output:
h=1 m=15
